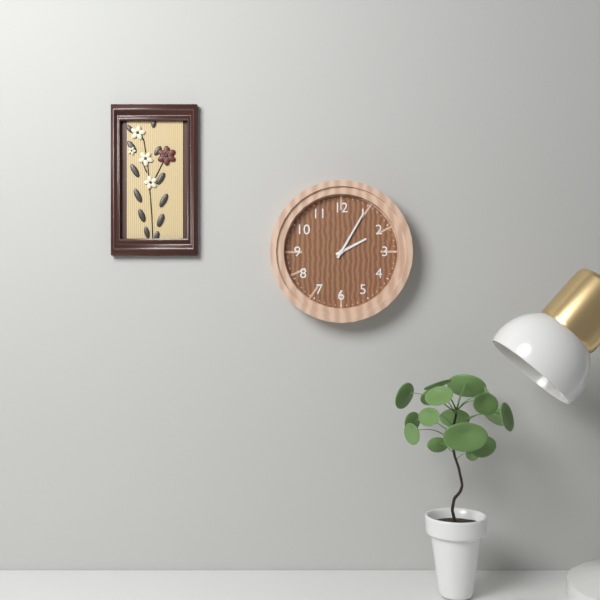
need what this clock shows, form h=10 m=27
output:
h=2 m=5
